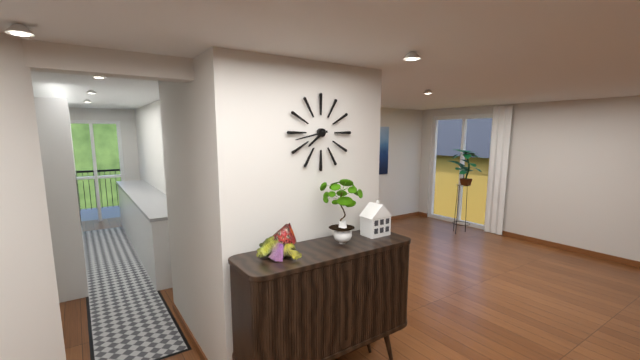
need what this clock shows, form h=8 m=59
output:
h=7 m=43
